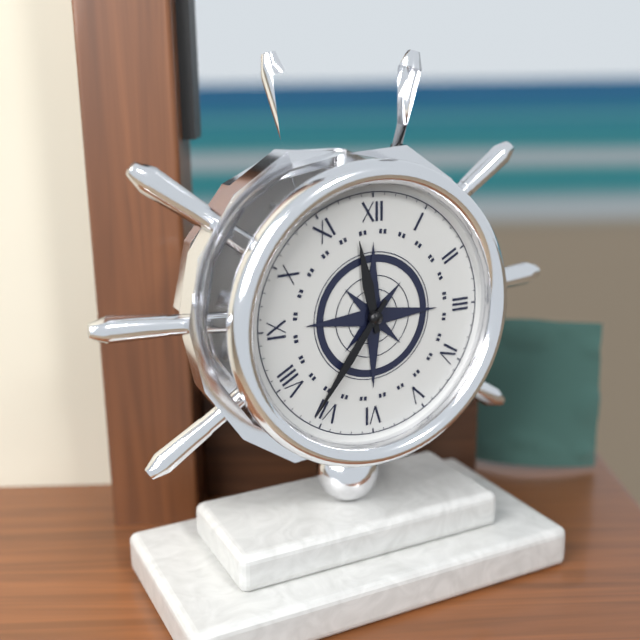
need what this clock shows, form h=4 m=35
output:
h=11 m=36
